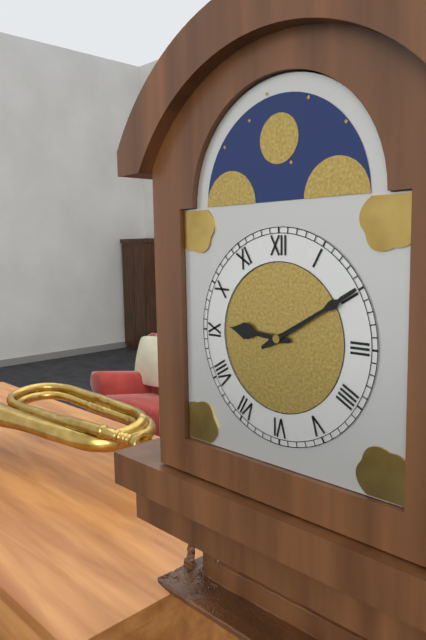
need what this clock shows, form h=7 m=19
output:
h=9 m=10
